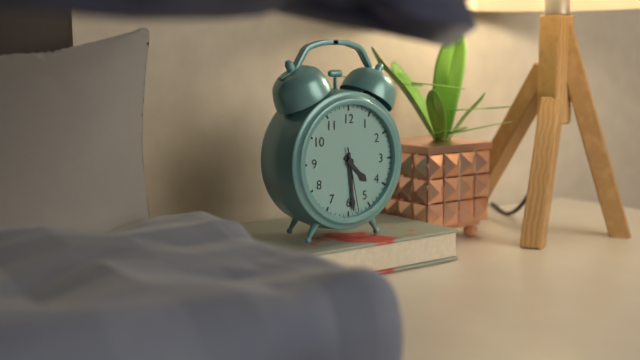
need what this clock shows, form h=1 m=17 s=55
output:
h=4 m=29 s=28
